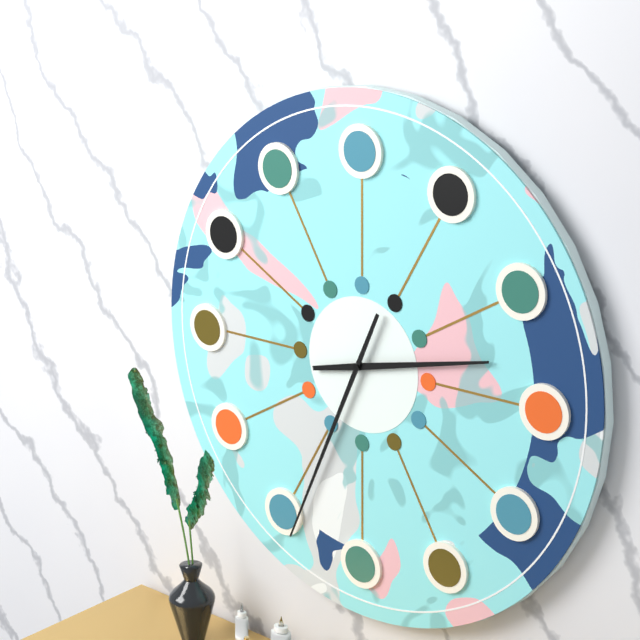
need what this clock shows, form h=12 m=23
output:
h=2 m=34
